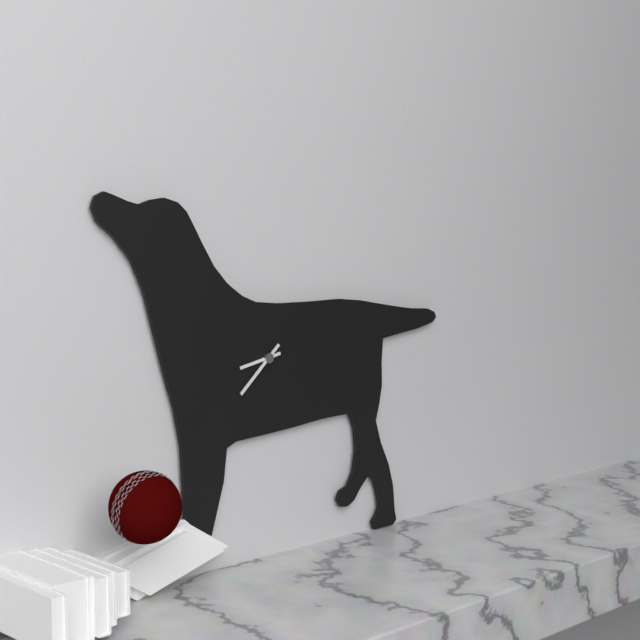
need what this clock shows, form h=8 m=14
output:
h=8 m=38
